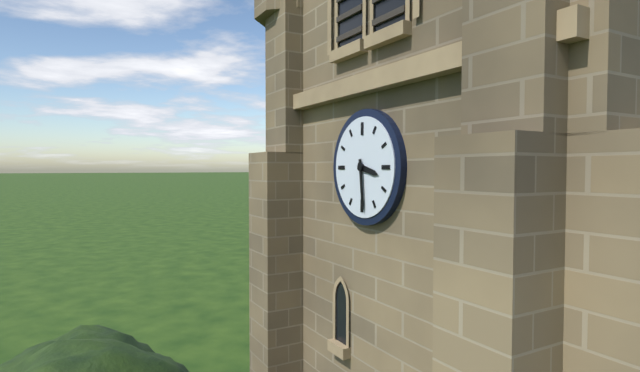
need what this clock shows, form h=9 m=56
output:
h=3 m=29
